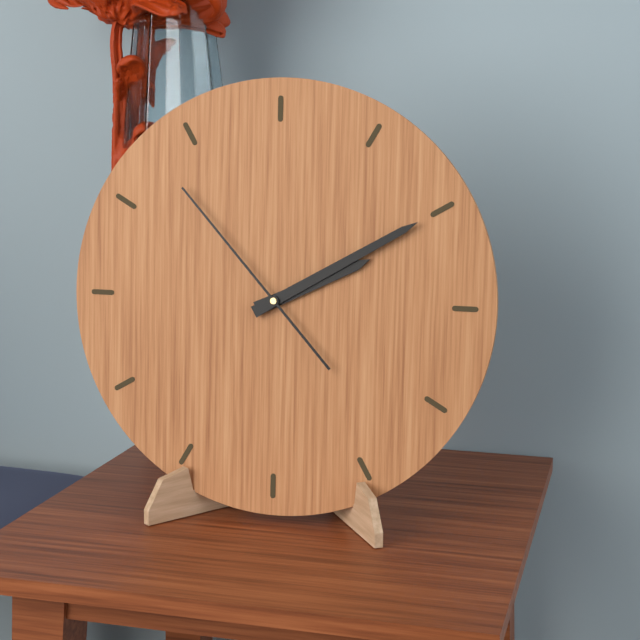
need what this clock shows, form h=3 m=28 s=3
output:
h=2 m=10 s=53
